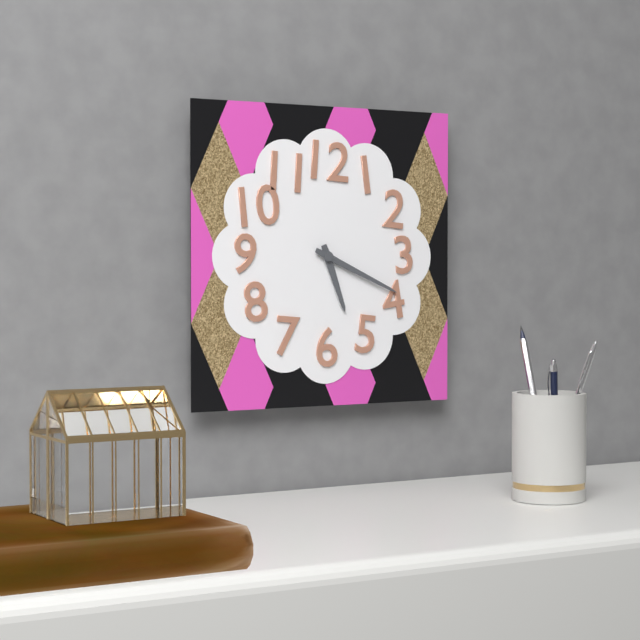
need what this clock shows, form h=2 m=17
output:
h=5 m=19
